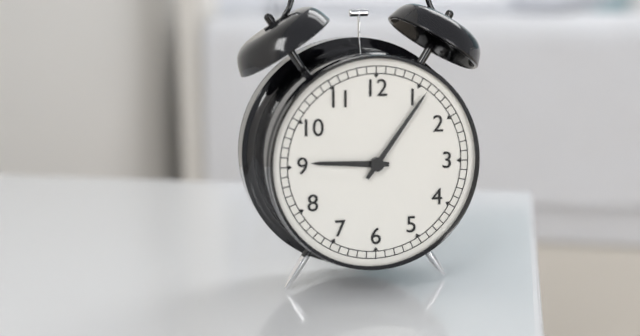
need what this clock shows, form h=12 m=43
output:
h=9 m=6
